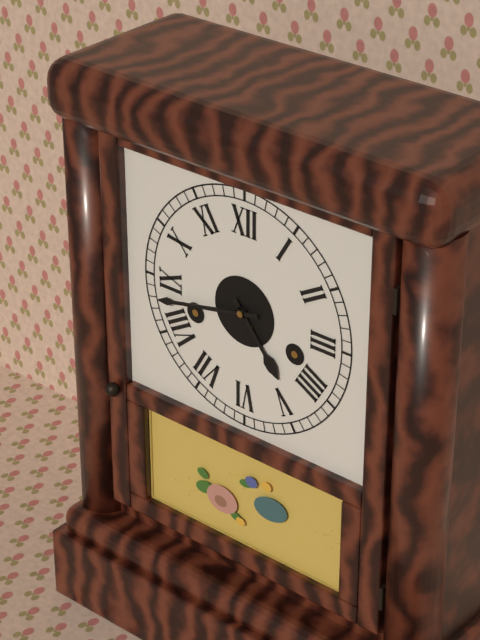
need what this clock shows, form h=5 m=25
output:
h=4 m=43
